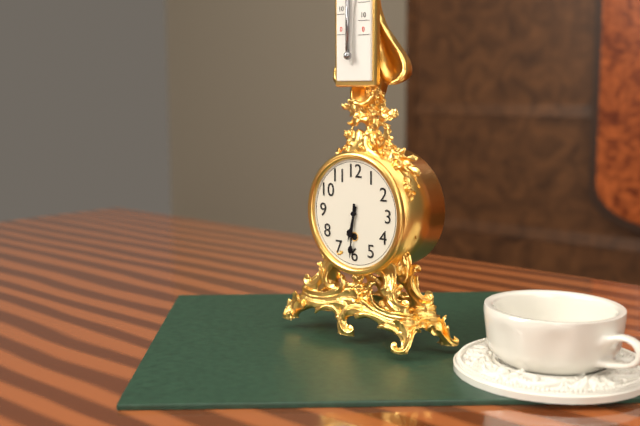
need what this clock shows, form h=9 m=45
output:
h=6 m=31
